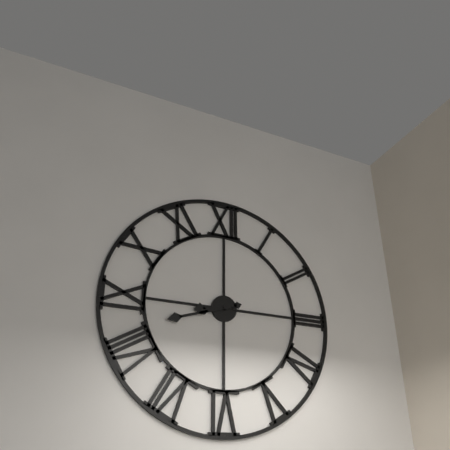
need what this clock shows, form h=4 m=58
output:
h=8 m=42
